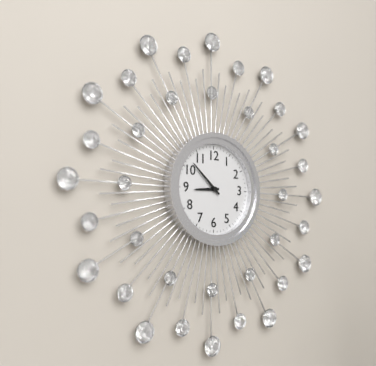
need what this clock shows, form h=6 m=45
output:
h=8 m=52
